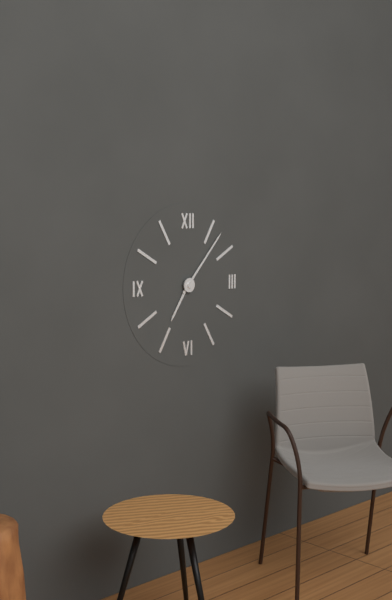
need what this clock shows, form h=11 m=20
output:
h=7 m=7
